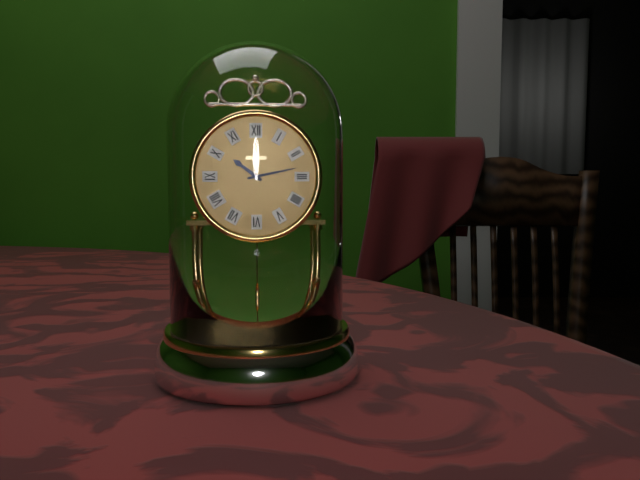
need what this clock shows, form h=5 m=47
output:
h=10 m=13
